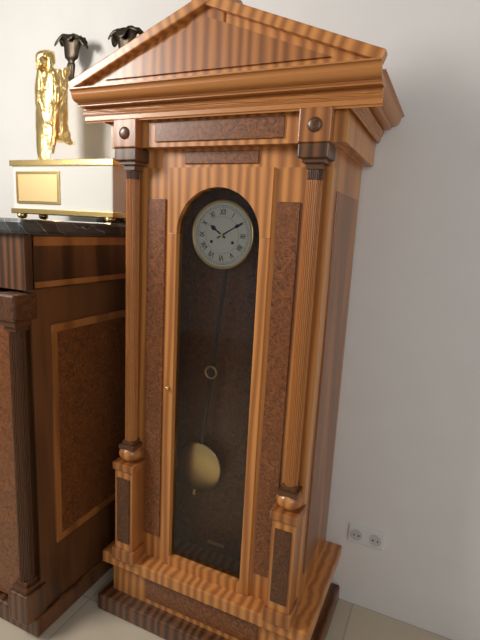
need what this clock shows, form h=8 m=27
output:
h=10 m=10
